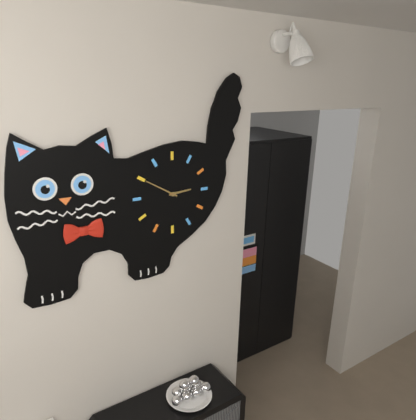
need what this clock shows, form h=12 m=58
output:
h=2 m=50
